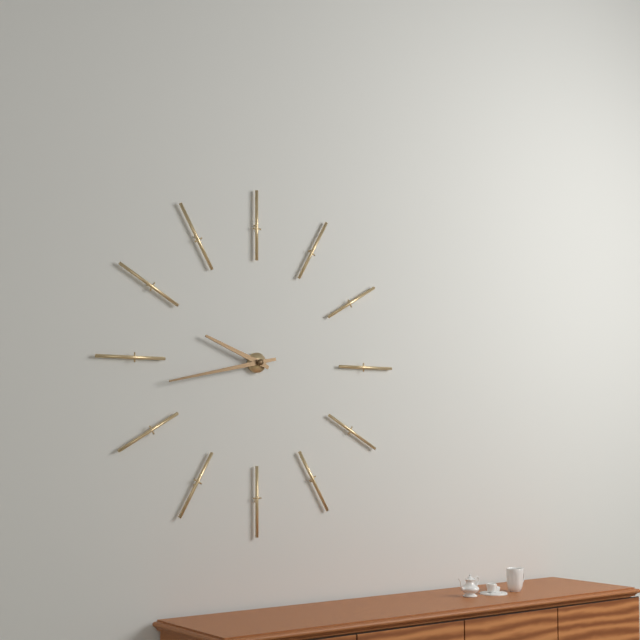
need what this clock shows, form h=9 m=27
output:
h=9 m=43
